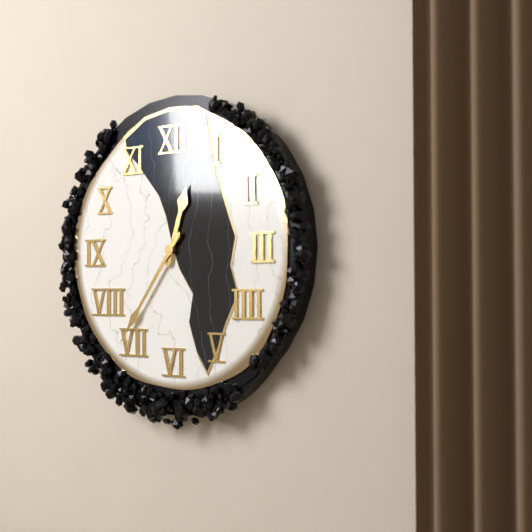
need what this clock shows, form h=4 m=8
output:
h=12 m=36
